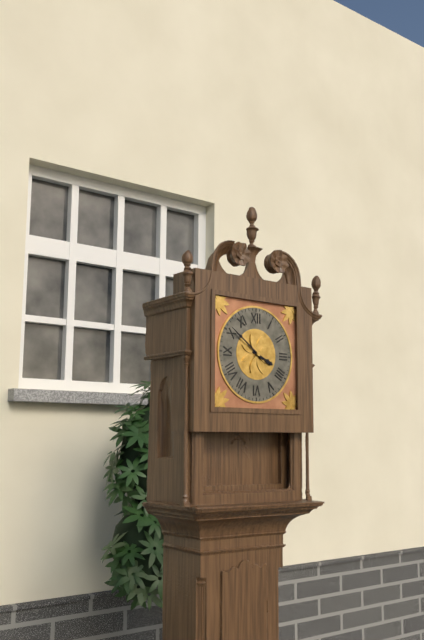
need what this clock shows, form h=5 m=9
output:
h=3 m=51
